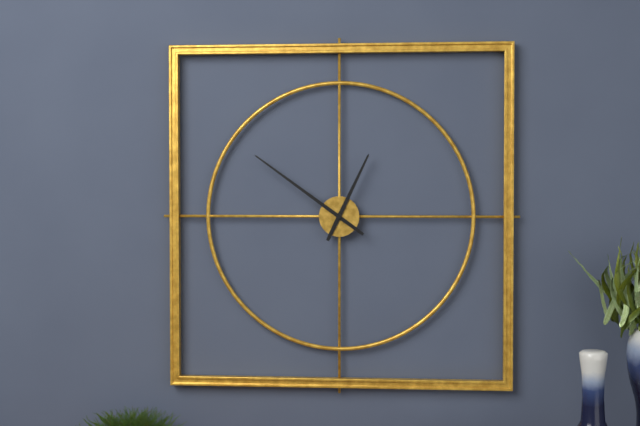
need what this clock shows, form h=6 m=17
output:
h=12 m=51
